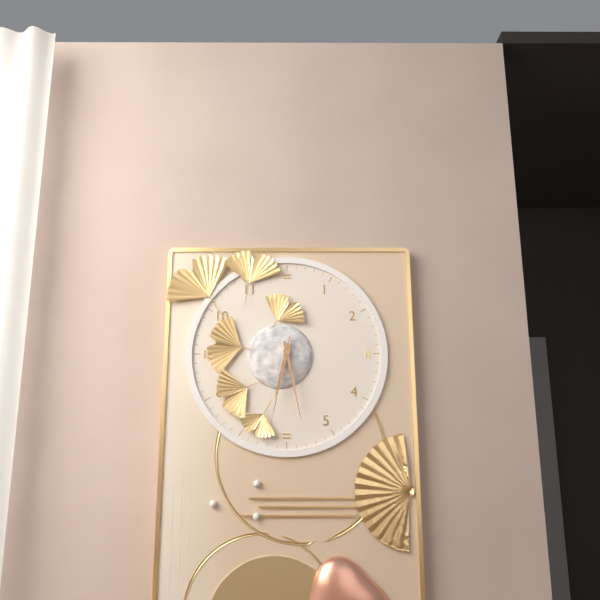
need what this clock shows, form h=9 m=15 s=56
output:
h=6 m=28 s=32
